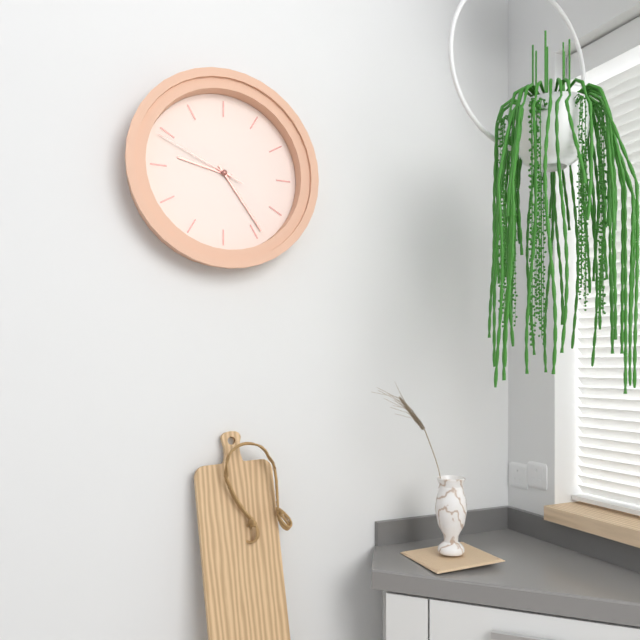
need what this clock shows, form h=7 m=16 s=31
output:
h=9 m=24 s=49
